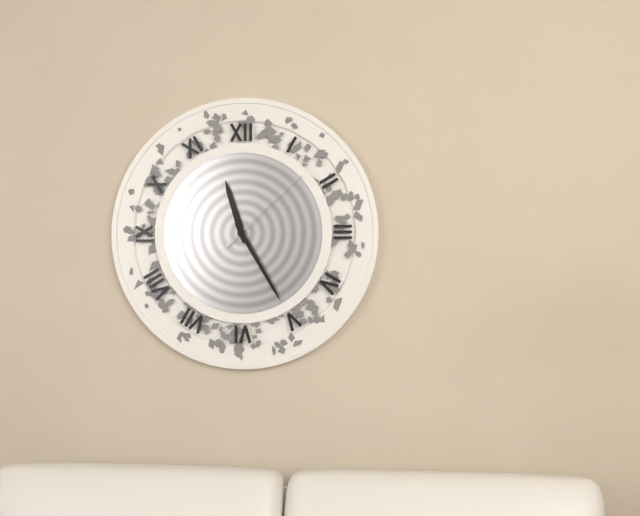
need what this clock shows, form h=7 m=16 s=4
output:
h=11 m=25 s=8
